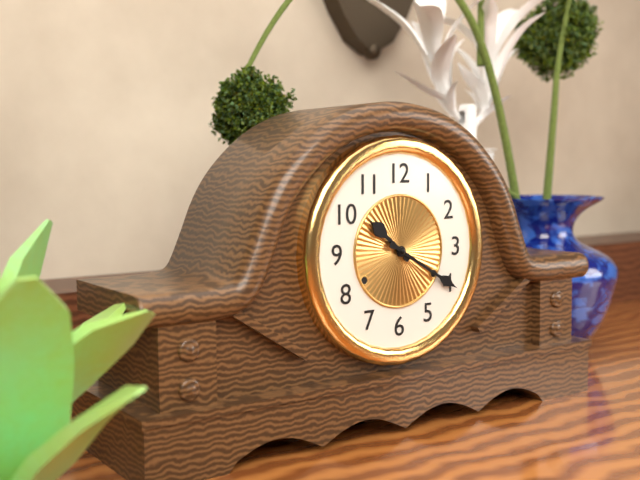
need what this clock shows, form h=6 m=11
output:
h=10 m=20
